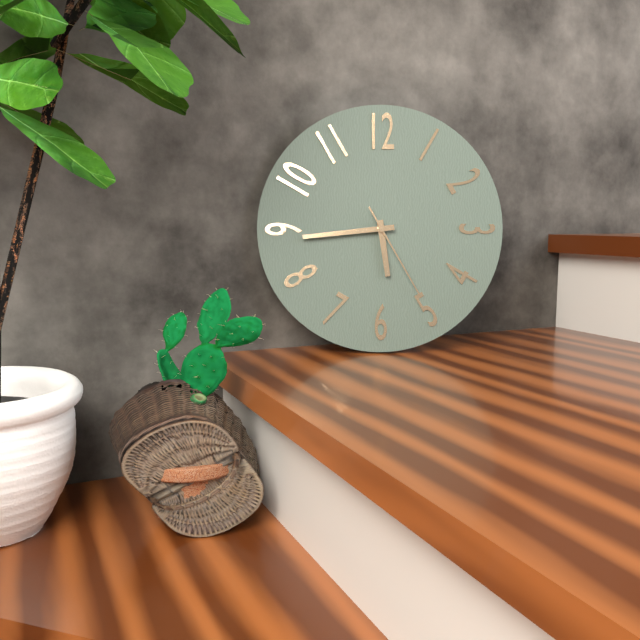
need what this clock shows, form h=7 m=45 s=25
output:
h=5 m=44 s=25
